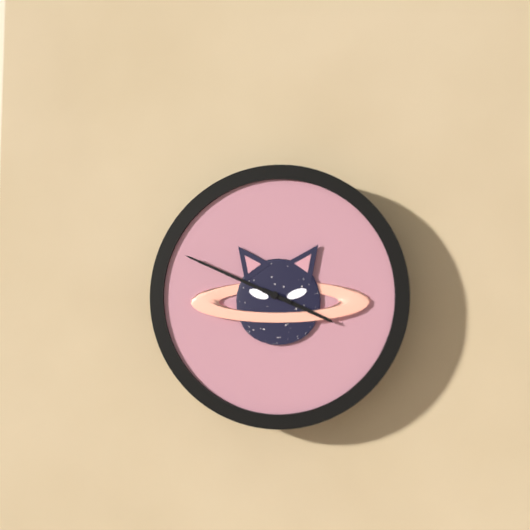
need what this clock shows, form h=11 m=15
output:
h=3 m=49
